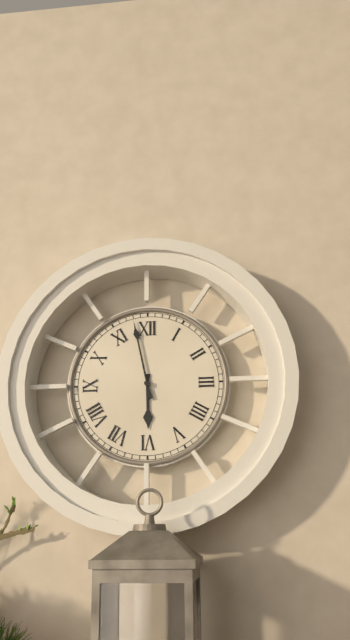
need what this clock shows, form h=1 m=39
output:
h=5 m=58
